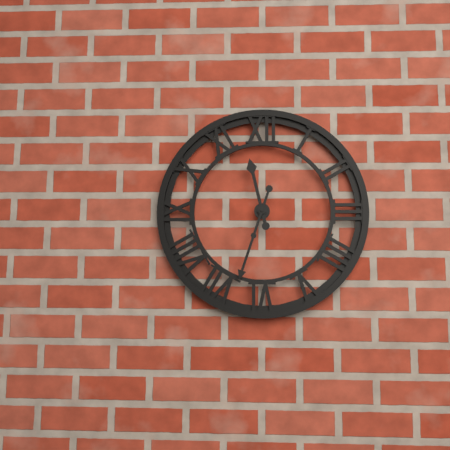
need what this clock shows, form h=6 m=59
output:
h=11 m=33
